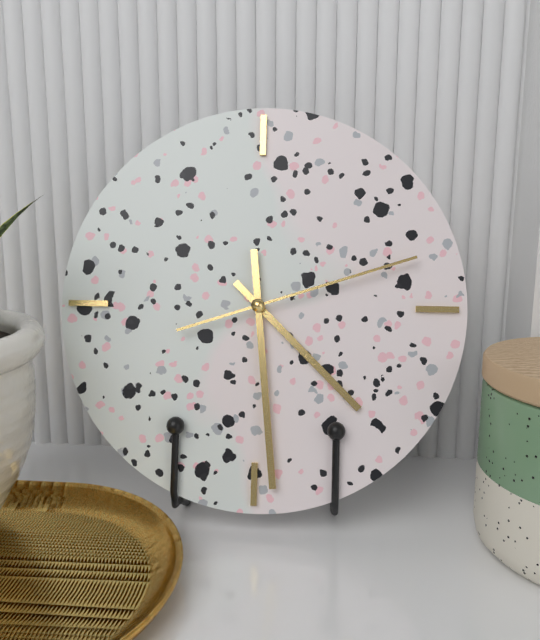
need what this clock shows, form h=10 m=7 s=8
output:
h=4 m=29 s=12
